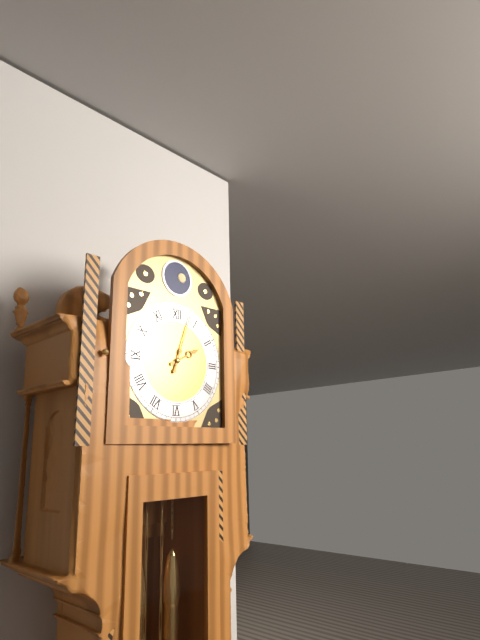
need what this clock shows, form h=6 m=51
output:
h=2 m=3
